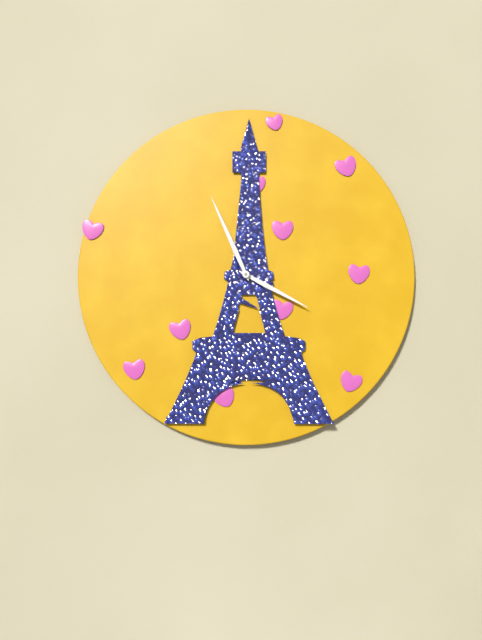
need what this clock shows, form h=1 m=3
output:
h=3 m=56
